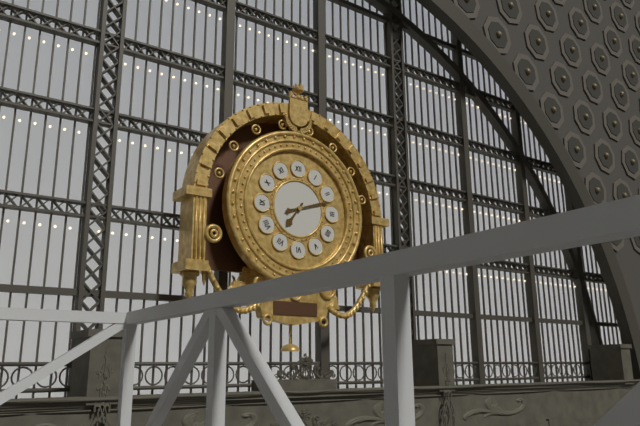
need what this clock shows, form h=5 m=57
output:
h=7 m=12
